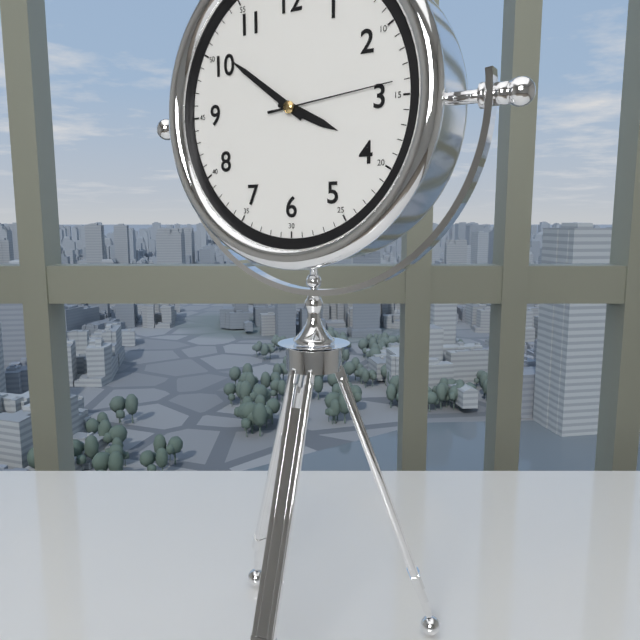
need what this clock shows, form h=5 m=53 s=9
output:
h=3 m=51 s=14
